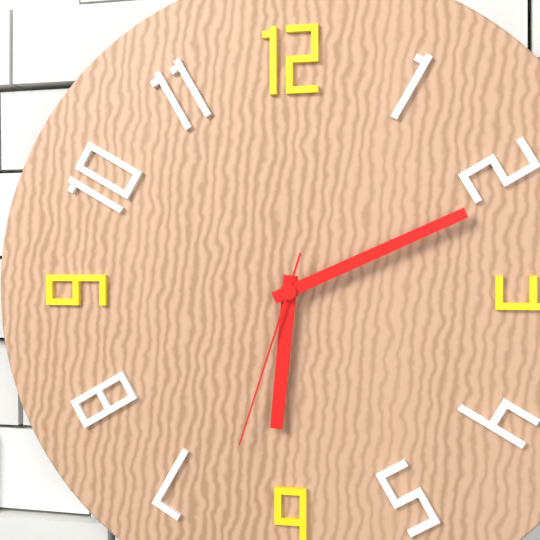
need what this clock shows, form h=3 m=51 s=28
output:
h=6 m=11 s=33
